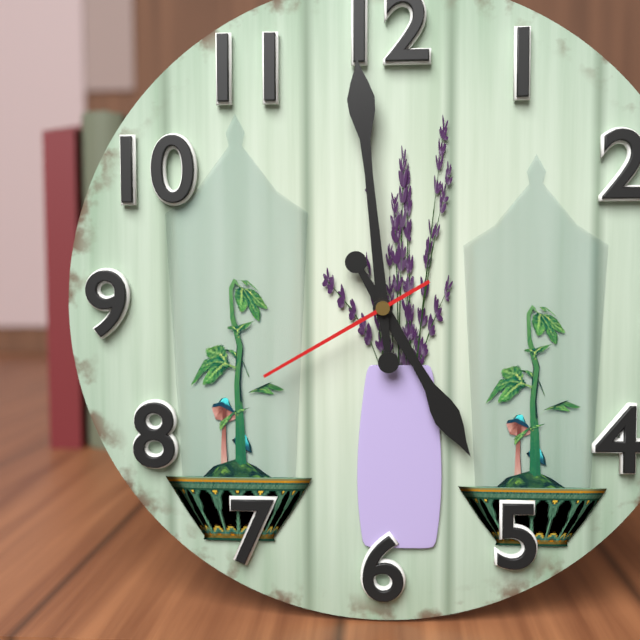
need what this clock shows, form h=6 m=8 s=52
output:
h=4 m=59 s=40
